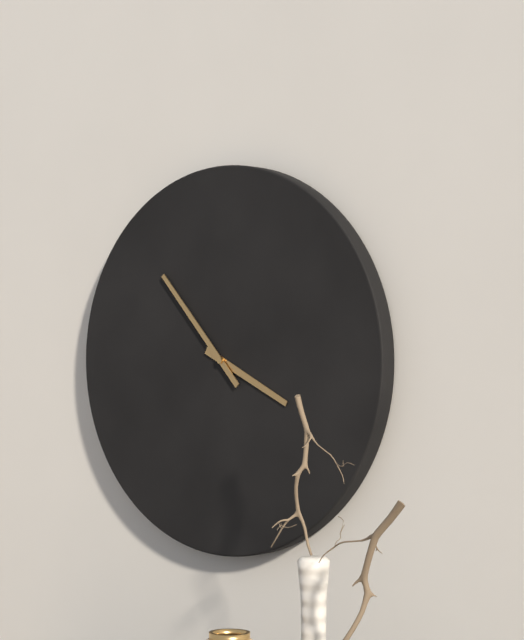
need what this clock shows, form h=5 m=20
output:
h=3 m=53
